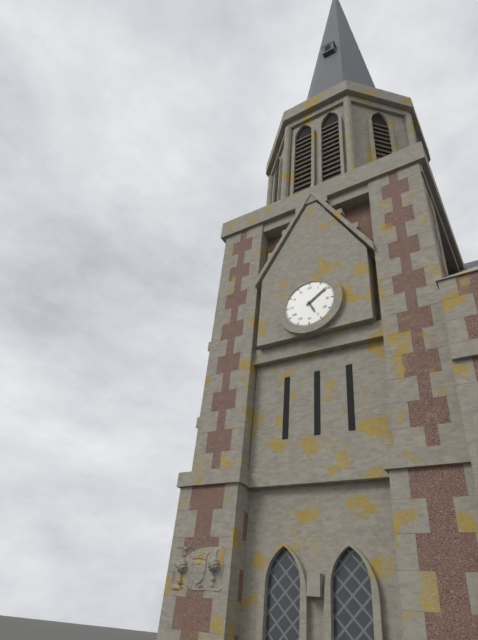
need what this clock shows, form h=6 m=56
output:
h=5 m=9
